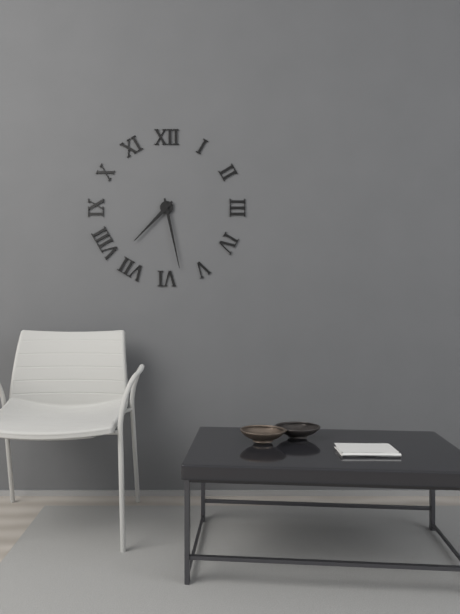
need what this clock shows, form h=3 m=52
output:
h=7 m=28
